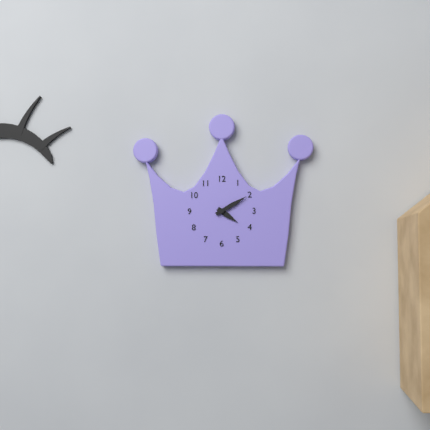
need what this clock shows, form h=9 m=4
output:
h=4 m=10
